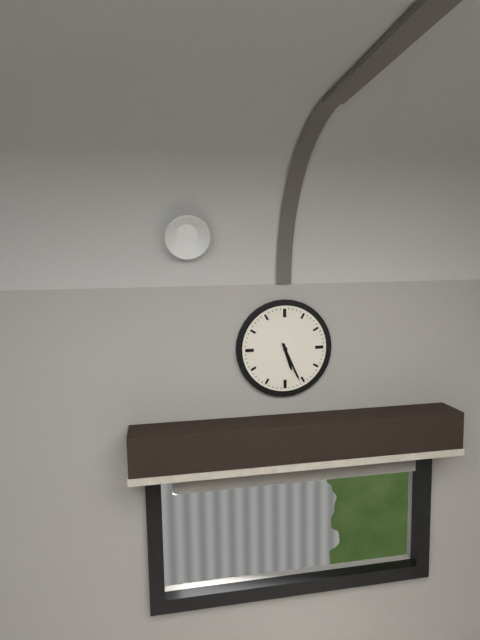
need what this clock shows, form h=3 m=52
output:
h=5 m=26
